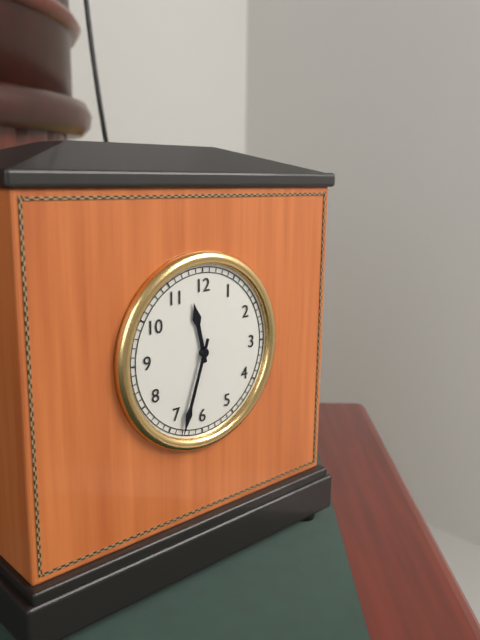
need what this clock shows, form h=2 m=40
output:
h=11 m=33
